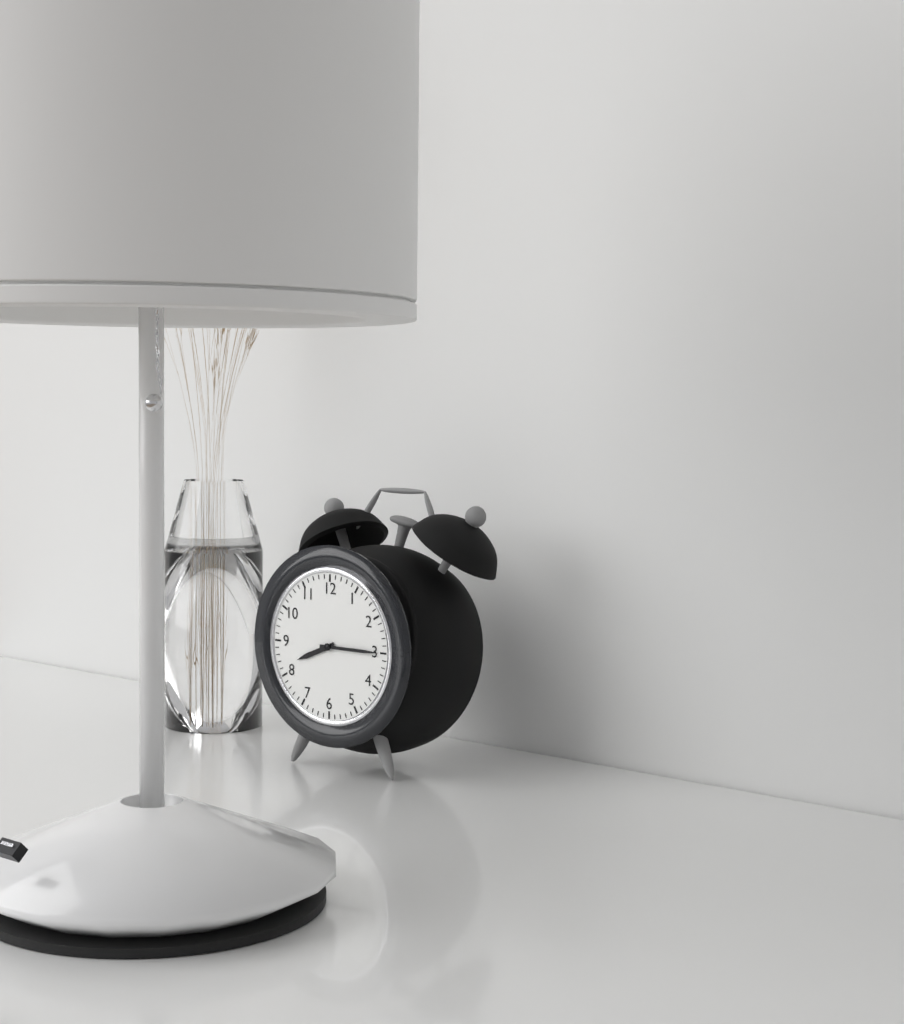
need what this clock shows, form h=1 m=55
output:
h=8 m=15
